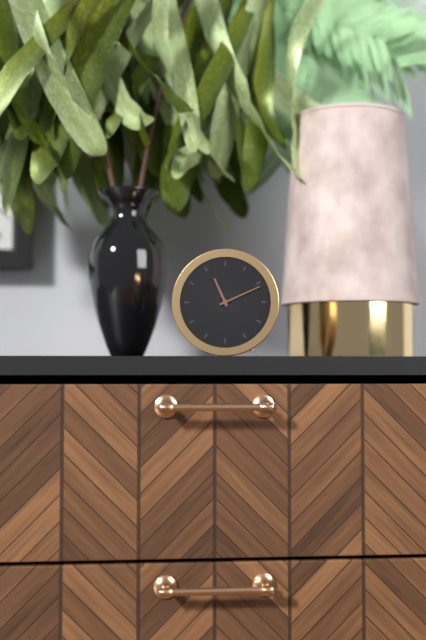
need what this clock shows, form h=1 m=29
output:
h=11 m=11
